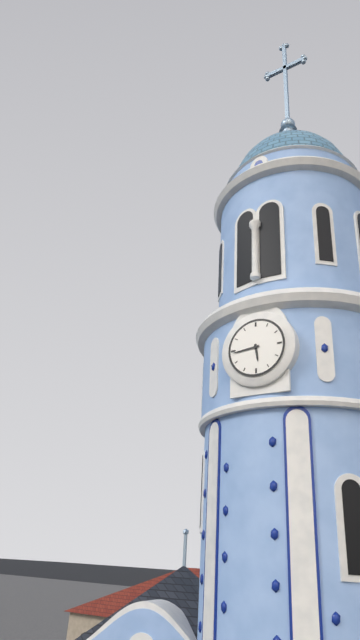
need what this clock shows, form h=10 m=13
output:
h=5 m=44
